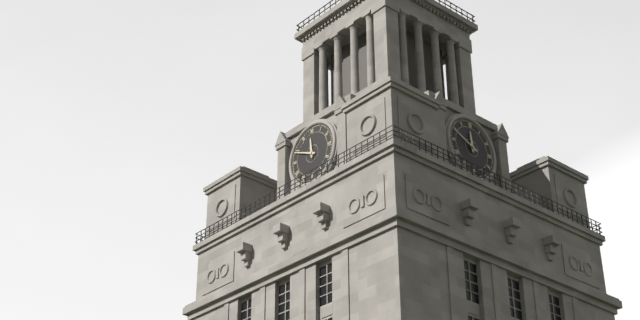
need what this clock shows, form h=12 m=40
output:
h=11 m=49
